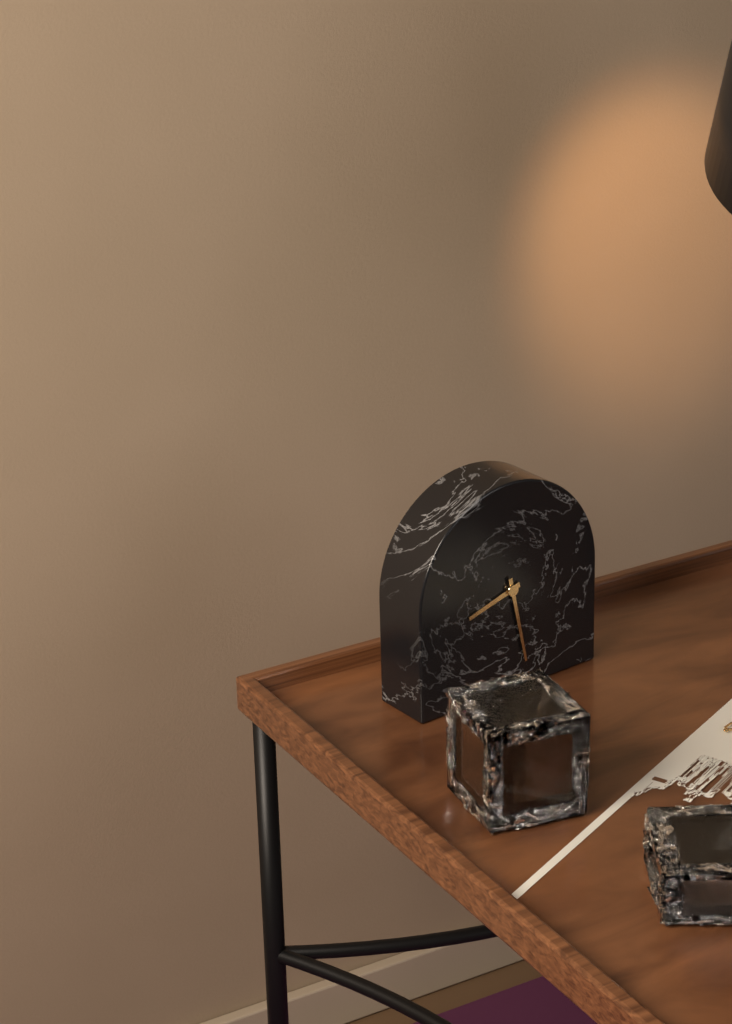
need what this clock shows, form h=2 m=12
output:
h=8 m=28
